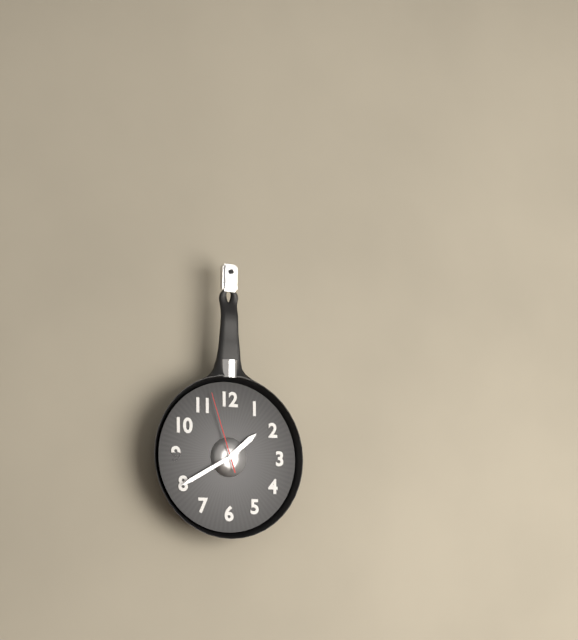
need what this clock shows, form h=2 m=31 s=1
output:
h=1 m=40 s=57
